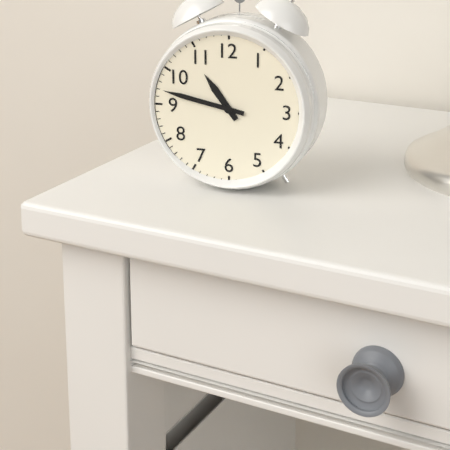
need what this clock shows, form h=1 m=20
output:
h=10 m=47
